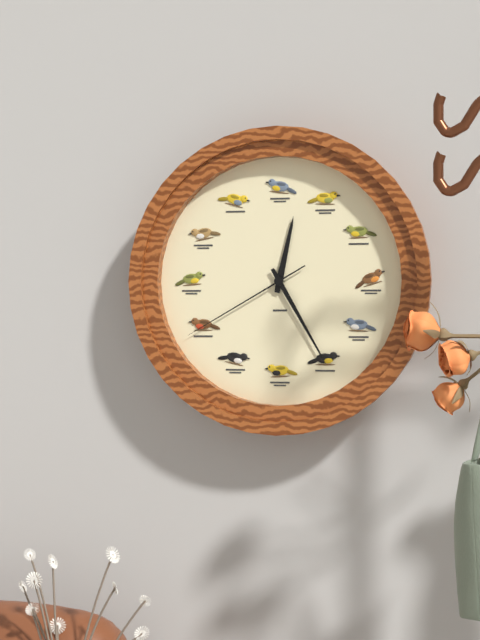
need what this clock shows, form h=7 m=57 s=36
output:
h=12 m=25 s=40
